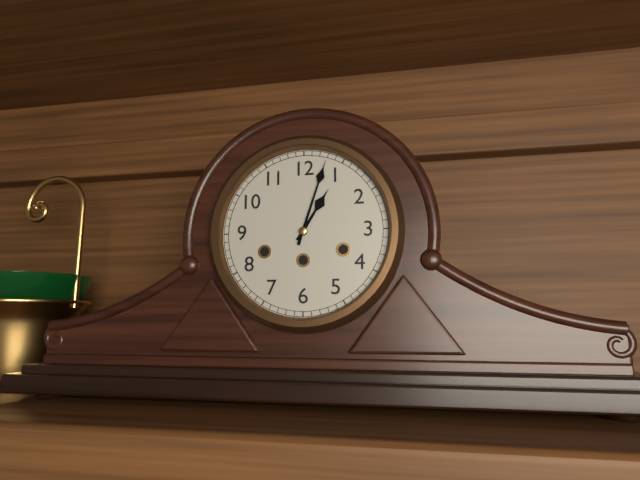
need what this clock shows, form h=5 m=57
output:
h=1 m=3
